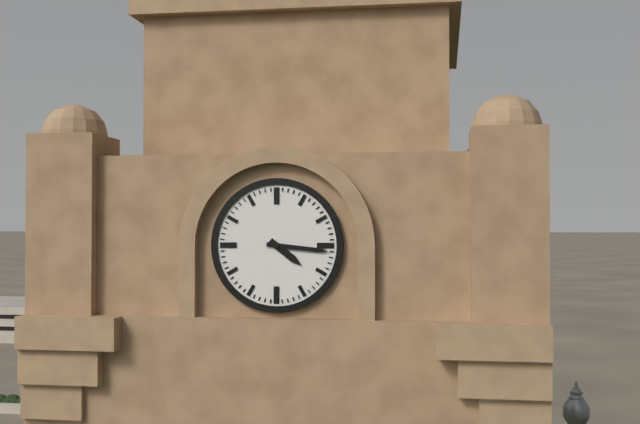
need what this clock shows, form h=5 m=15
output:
h=4 m=16
